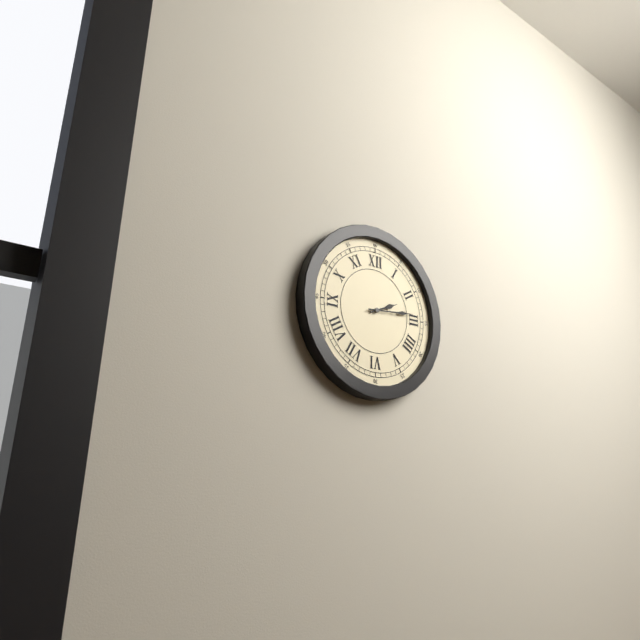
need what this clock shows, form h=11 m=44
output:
h=2 m=14
